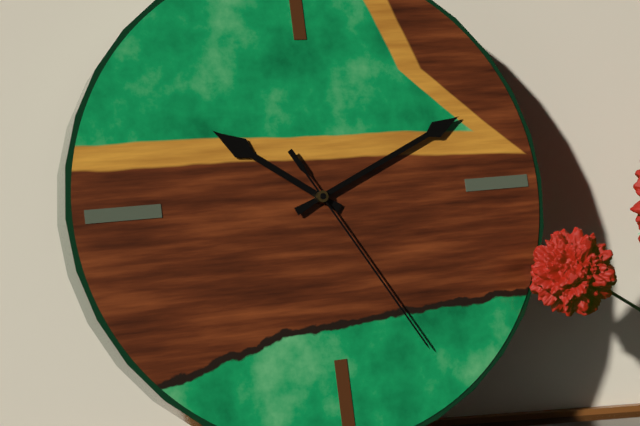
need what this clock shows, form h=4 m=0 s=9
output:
h=10 m=11 s=25
